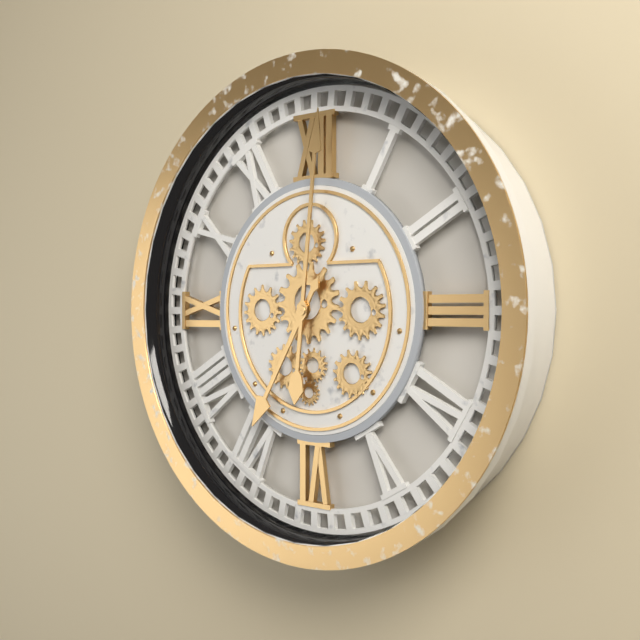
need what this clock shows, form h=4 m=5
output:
h=7 m=1
